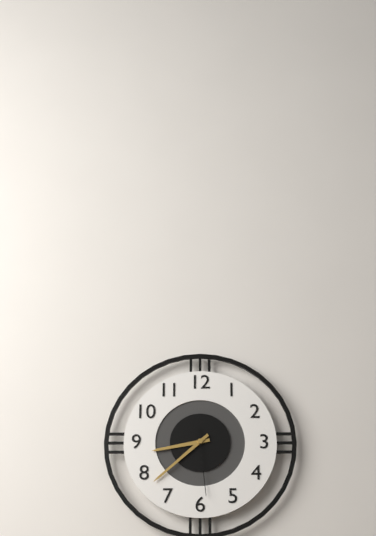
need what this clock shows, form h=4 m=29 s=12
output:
h=8 m=38 s=29
